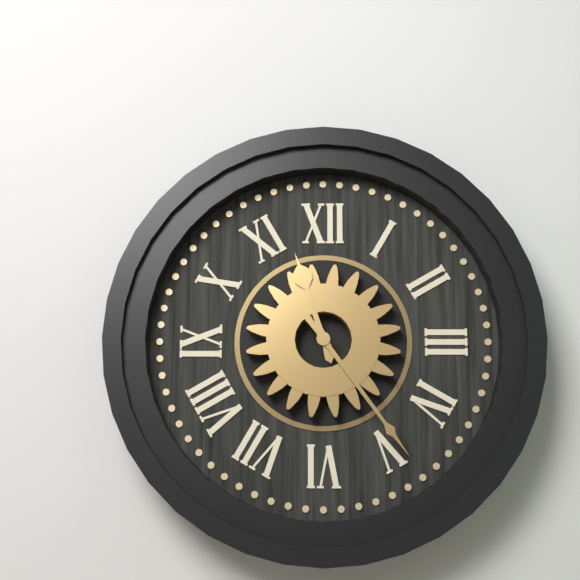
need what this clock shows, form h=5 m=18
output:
h=11 m=24
